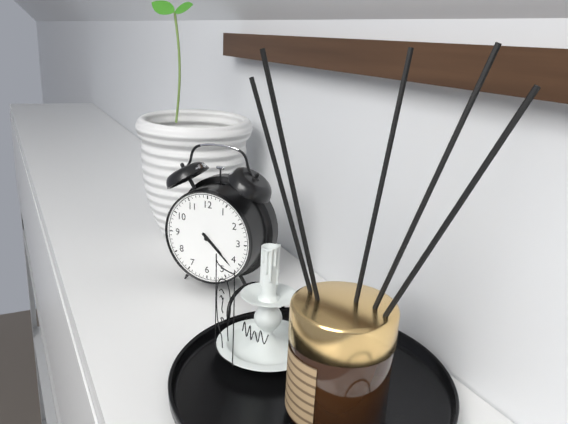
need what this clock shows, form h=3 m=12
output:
h=4 m=22
